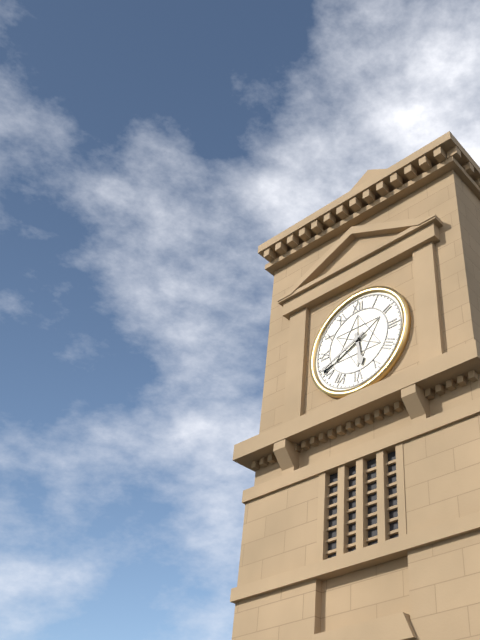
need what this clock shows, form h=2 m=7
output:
h=5 m=41
